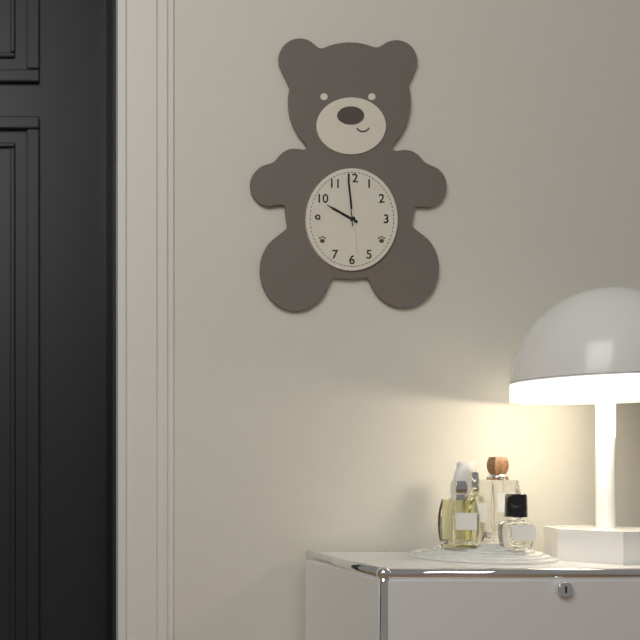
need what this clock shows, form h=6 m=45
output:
h=9 m=59
